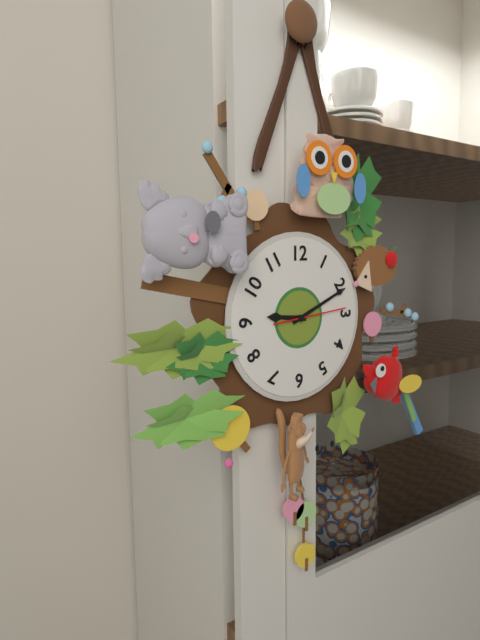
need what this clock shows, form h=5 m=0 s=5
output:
h=9 m=11 s=14
